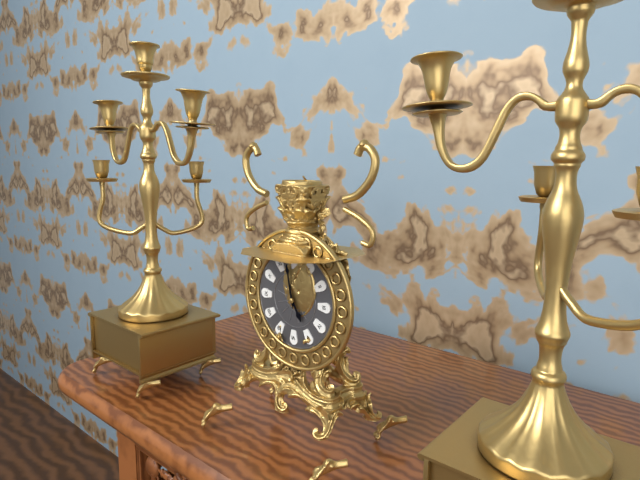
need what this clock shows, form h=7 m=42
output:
h=4 m=58
